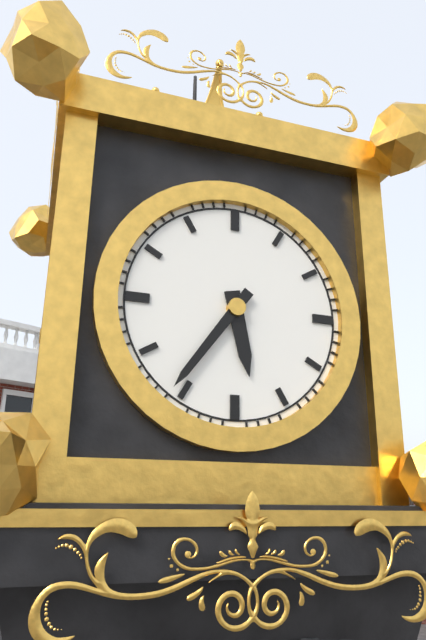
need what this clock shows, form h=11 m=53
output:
h=5 m=36
